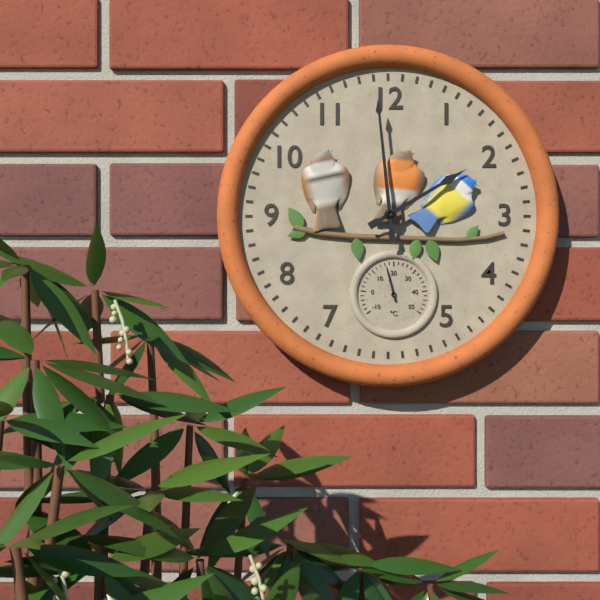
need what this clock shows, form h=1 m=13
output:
h=1 m=59
